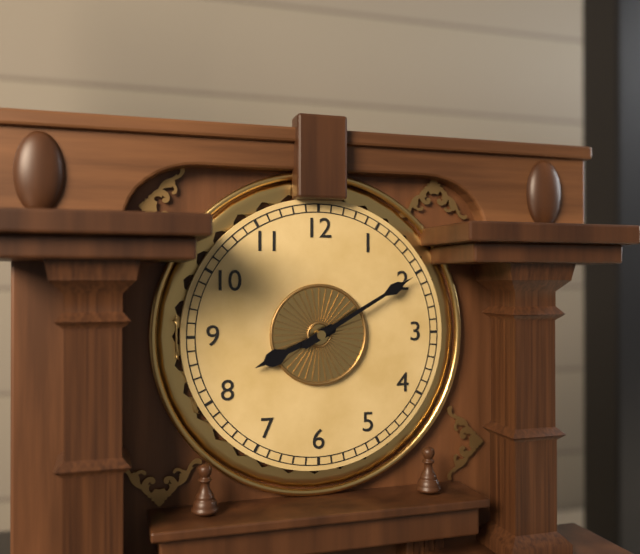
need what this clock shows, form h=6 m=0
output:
h=8 m=10
